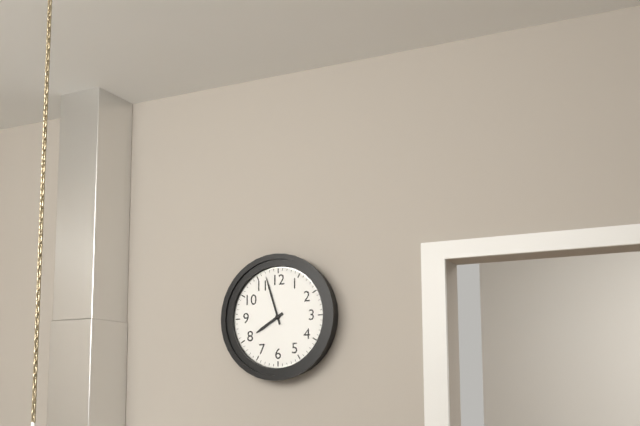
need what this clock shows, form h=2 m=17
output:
h=7 m=57
